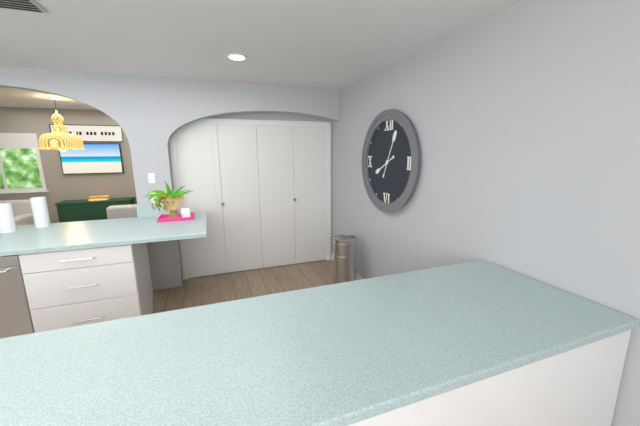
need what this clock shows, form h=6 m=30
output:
h=8 m=4
